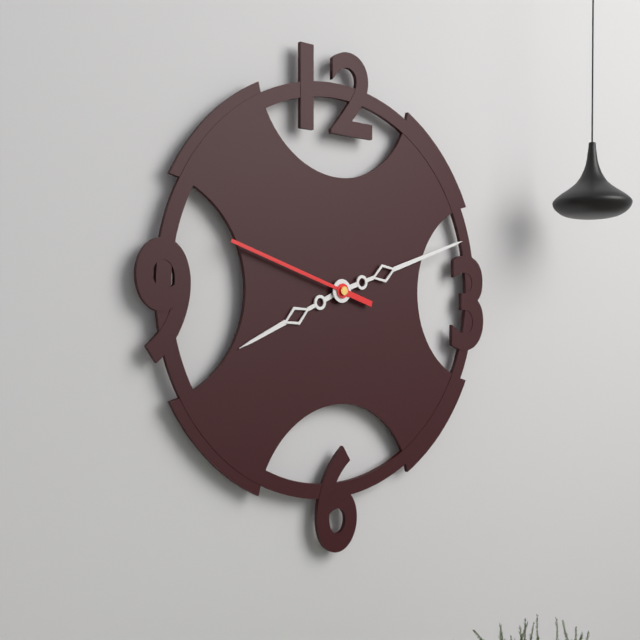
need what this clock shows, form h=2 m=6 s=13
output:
h=8 m=12 s=48
